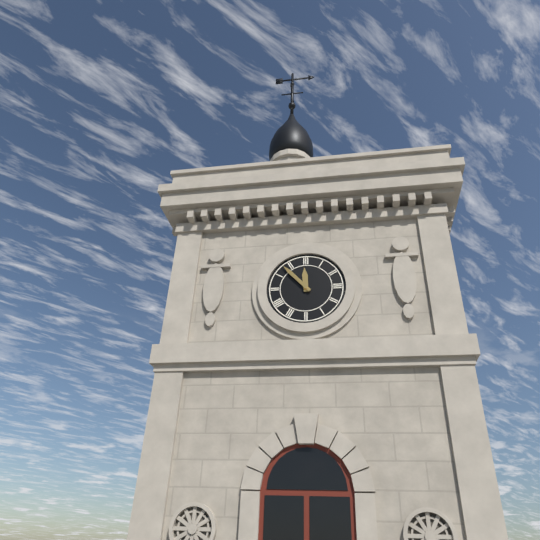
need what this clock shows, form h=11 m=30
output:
h=11 m=53
